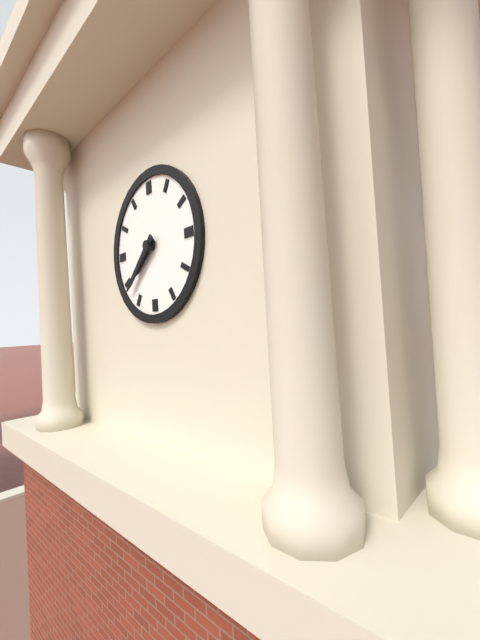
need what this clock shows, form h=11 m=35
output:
h=7 m=38
